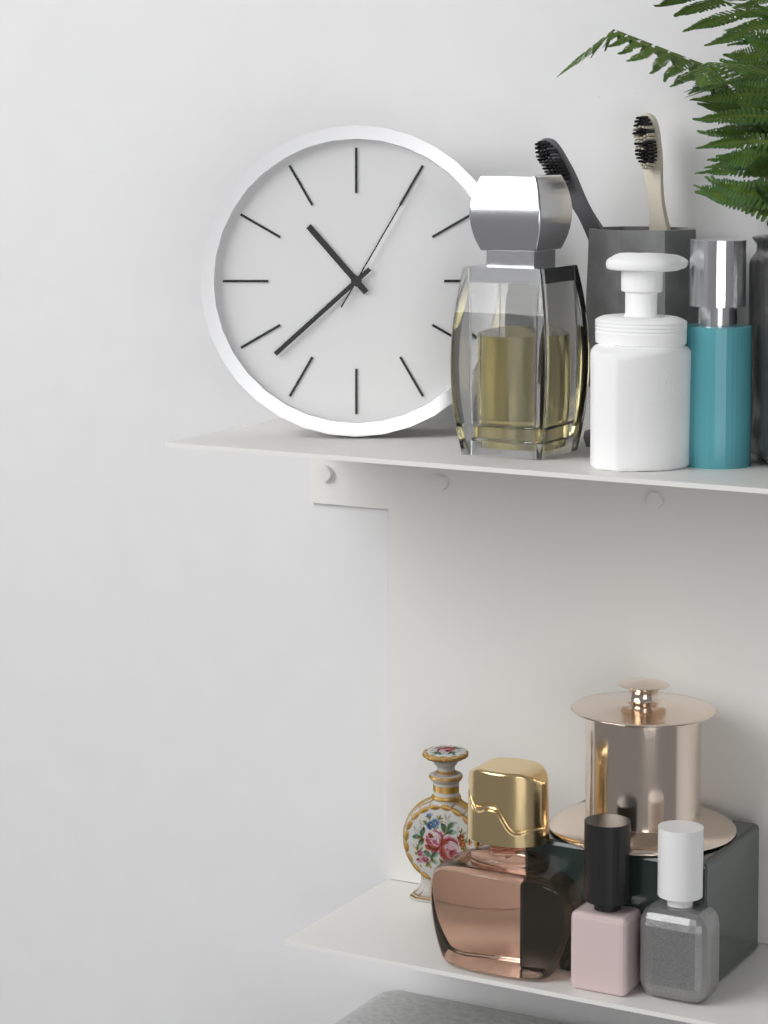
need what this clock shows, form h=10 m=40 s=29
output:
h=10 m=38 s=5
